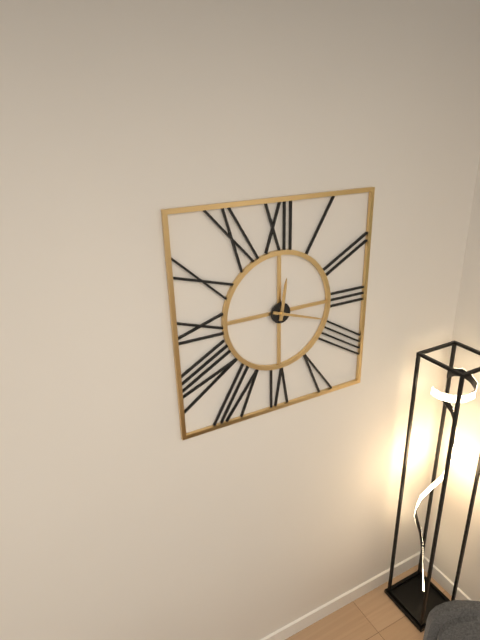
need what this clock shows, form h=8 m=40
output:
h=12 m=18
